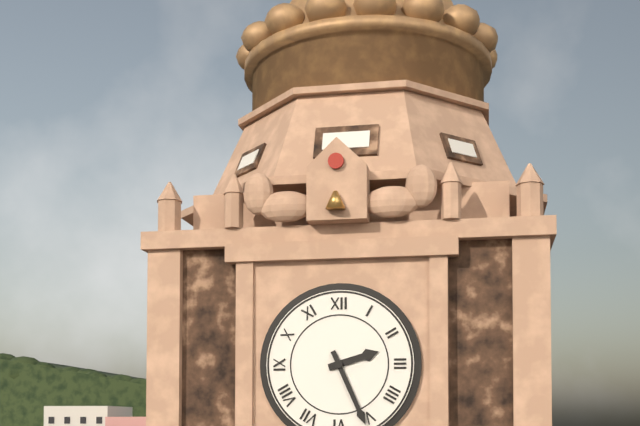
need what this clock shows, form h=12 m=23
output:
h=2 m=26
